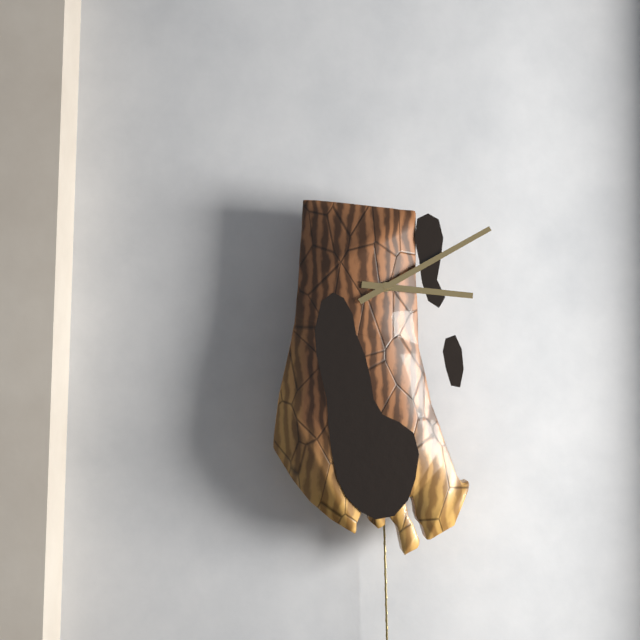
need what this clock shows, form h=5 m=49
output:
h=3 m=10
